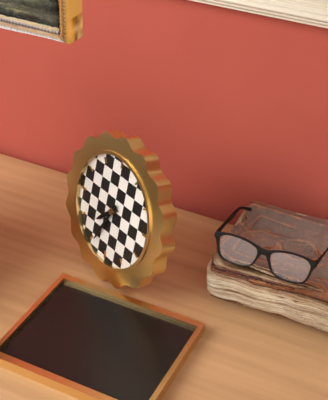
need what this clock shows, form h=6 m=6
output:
h=7 m=34
